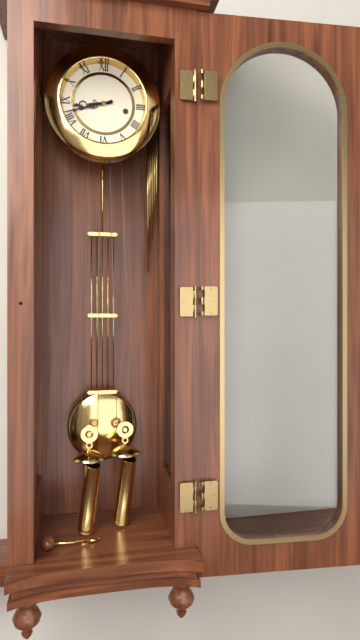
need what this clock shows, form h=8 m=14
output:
h=8 m=42
